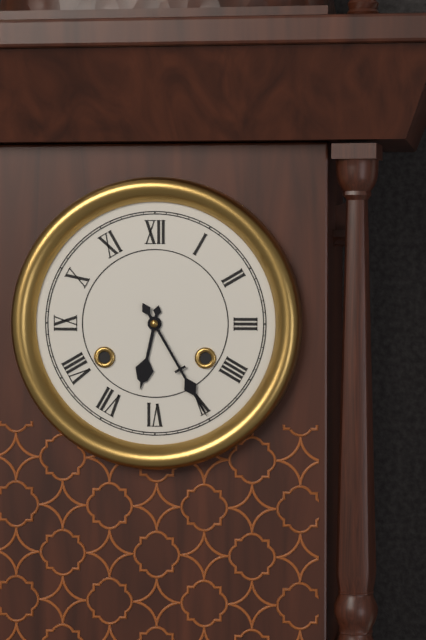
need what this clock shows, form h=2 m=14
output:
h=6 m=25
